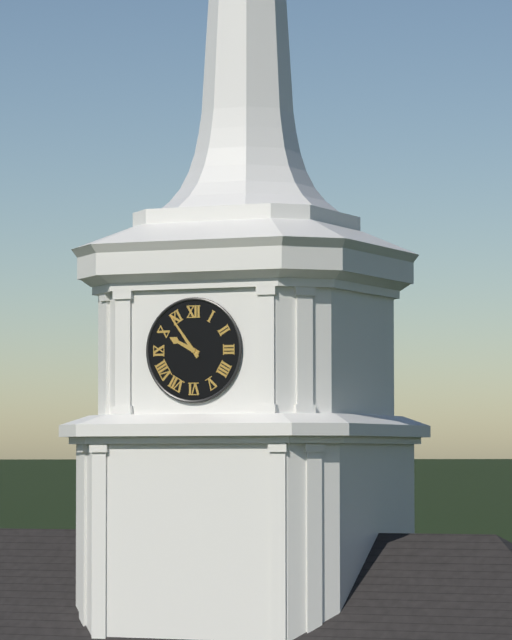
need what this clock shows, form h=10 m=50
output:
h=9 m=54
